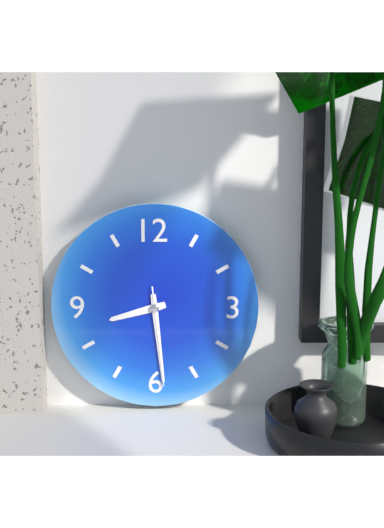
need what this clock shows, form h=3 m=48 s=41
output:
h=8 m=29 s=29
